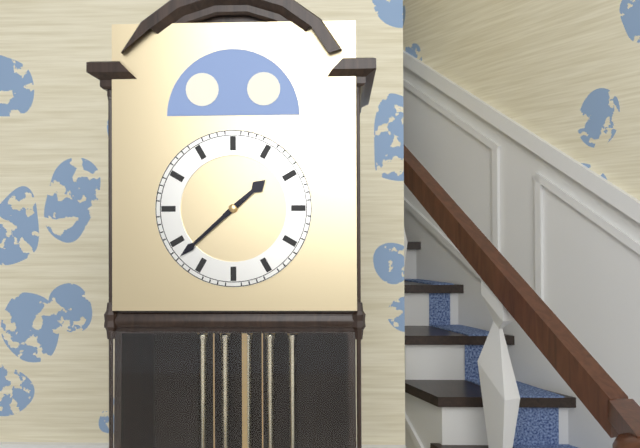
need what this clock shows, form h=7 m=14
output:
h=1 m=38
